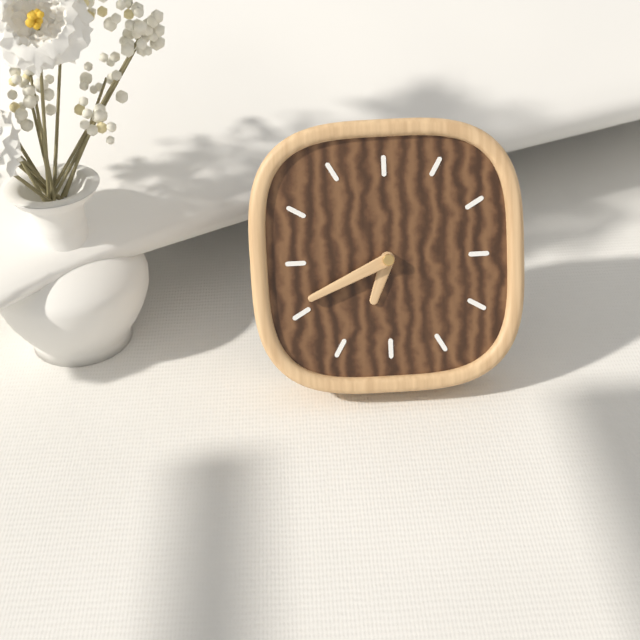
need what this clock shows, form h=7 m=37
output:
h=6 m=41
